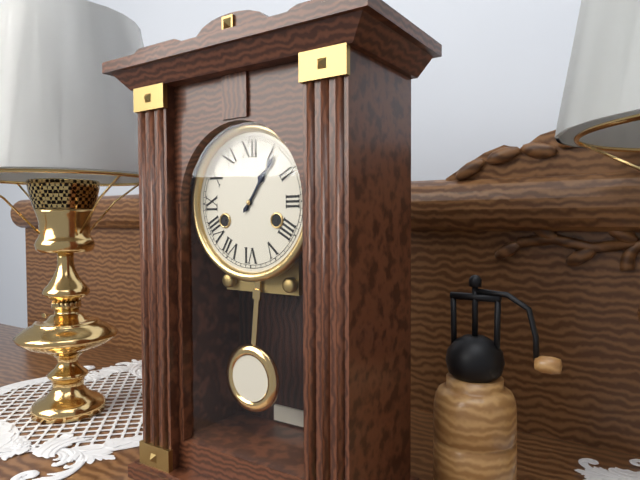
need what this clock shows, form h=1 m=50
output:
h=1 m=6
